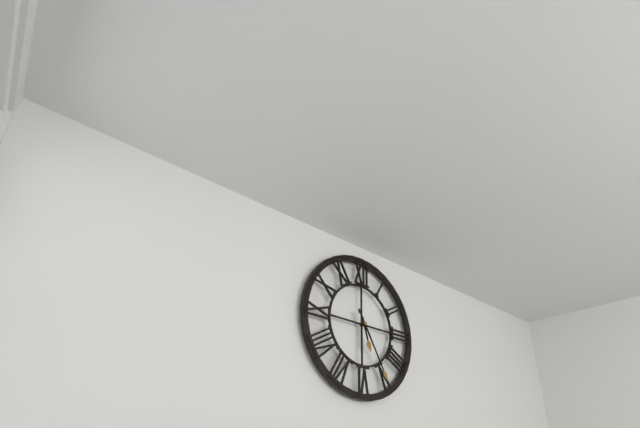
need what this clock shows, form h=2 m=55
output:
h=5 m=25
